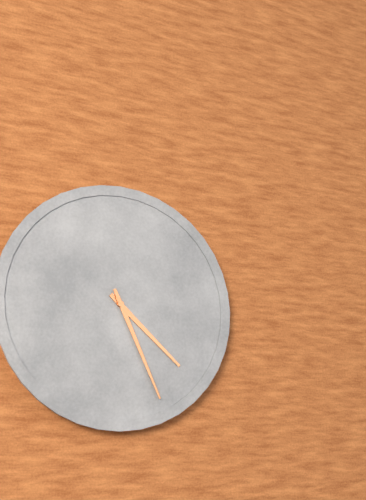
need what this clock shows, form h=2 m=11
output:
h=4 m=26
